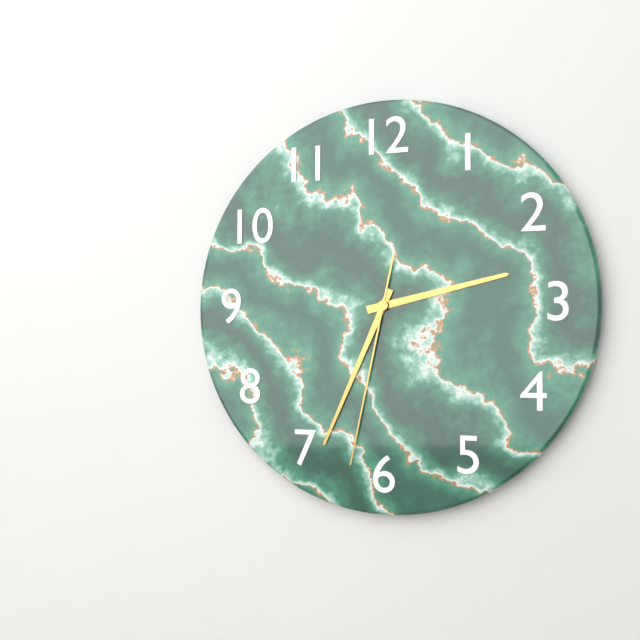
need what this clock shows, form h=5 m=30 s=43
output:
h=2 m=34 s=32
